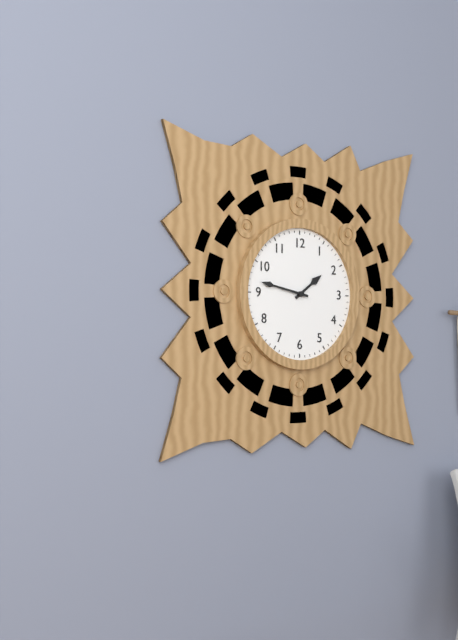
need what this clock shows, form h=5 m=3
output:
h=1 m=47
